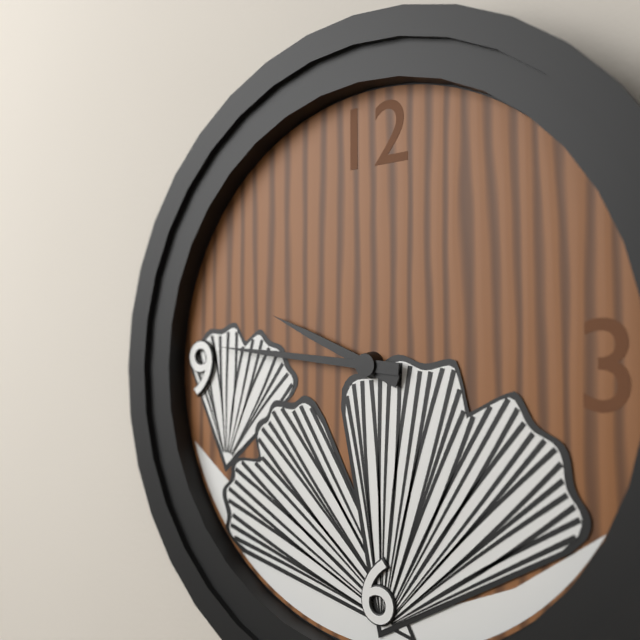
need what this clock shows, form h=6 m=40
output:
h=9 m=46
